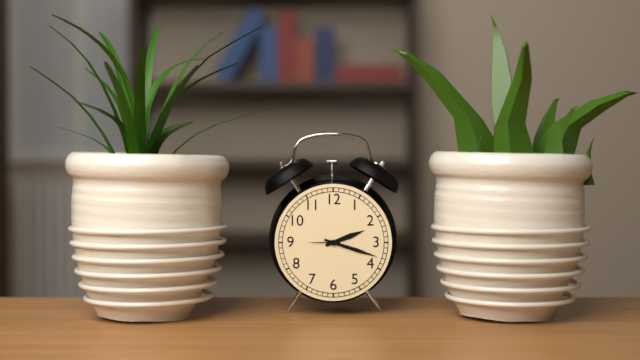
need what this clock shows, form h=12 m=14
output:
h=2 m=18
